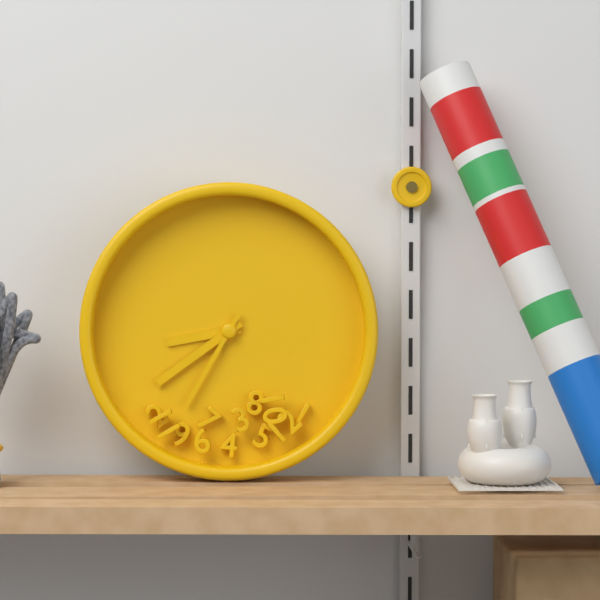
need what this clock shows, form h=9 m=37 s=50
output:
h=8 m=39 s=35
